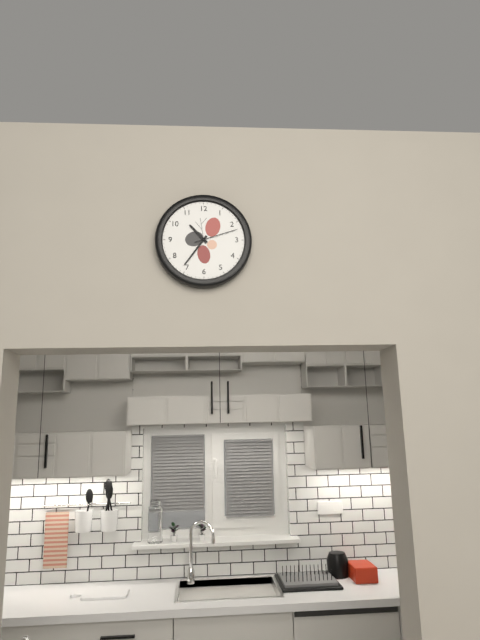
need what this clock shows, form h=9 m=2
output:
h=10 m=36
